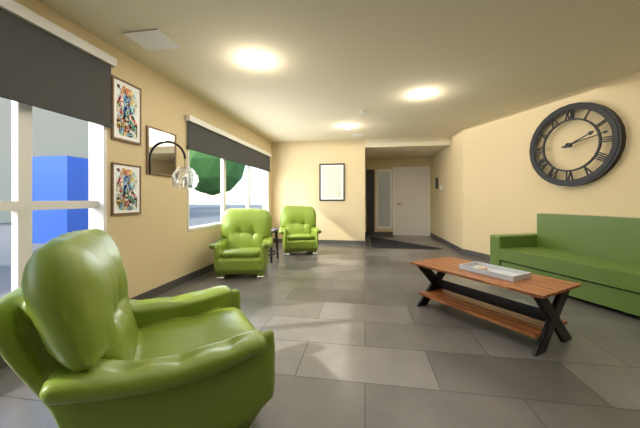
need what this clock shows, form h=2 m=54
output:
h=2 m=13
